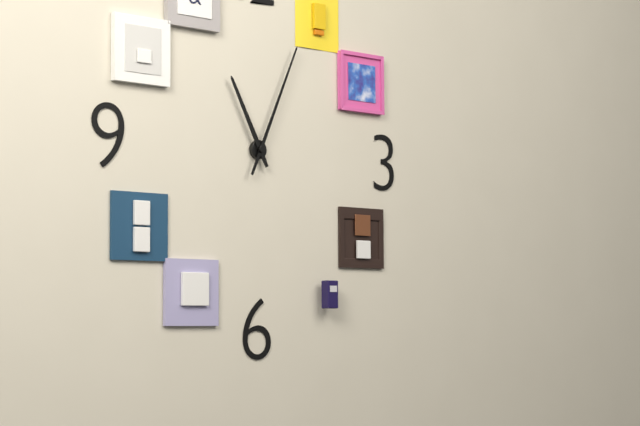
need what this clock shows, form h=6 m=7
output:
h=11 m=4
